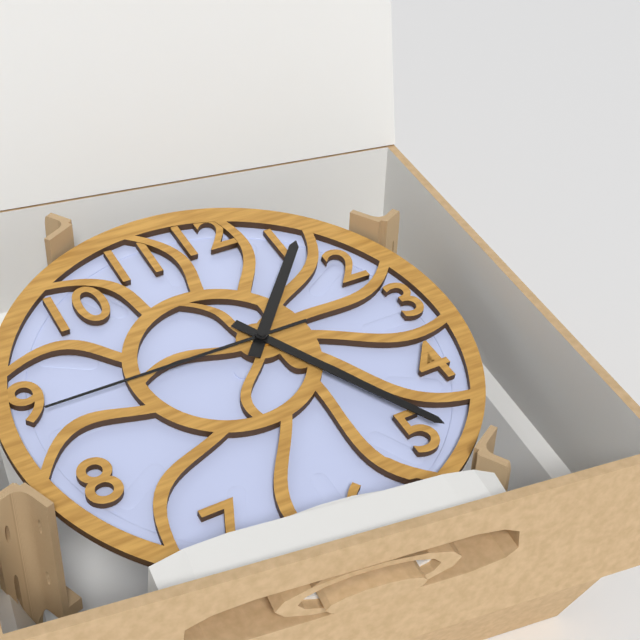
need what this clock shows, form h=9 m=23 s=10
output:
h=1 m=25 s=45
